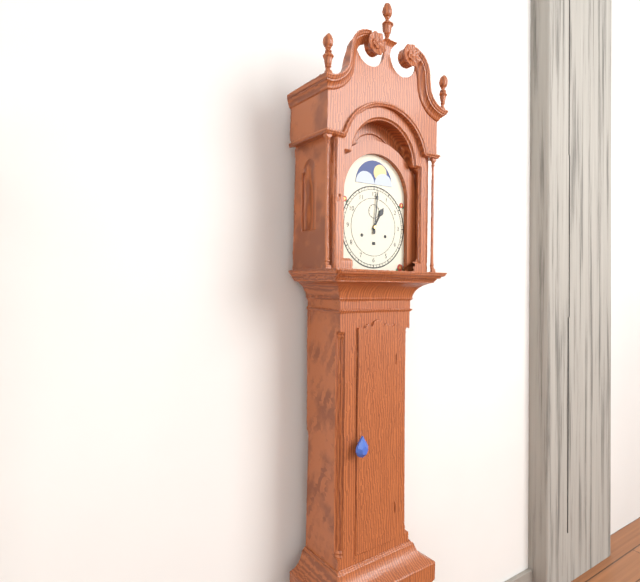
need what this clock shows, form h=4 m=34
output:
h=1 m=1
